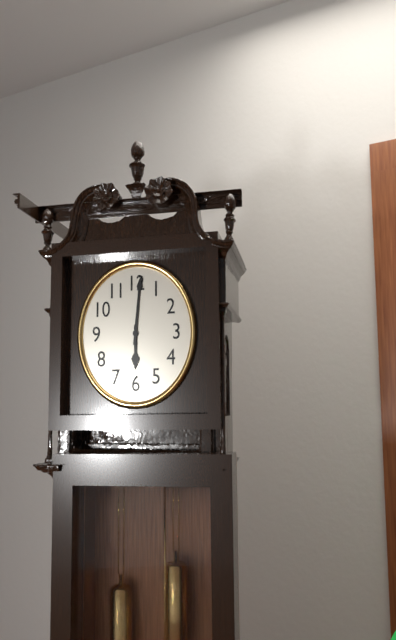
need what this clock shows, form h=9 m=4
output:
h=6 m=1
